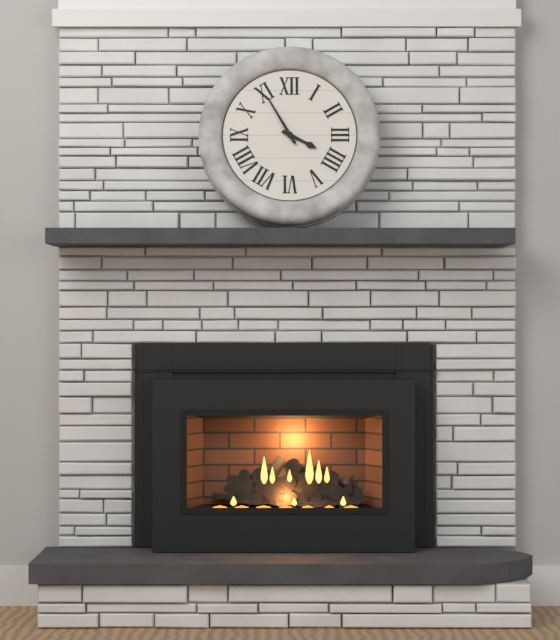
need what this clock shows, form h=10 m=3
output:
h=3 m=55
